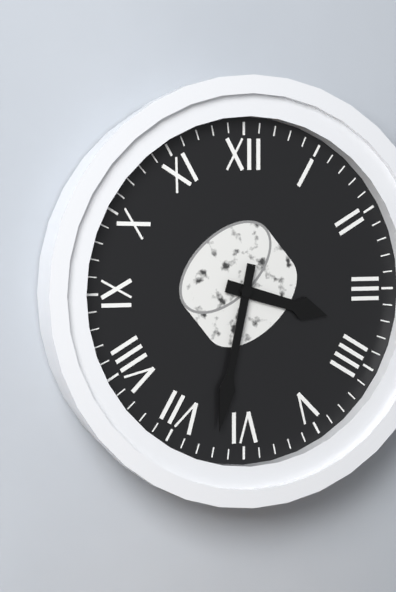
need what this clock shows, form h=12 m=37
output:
h=3 m=32
